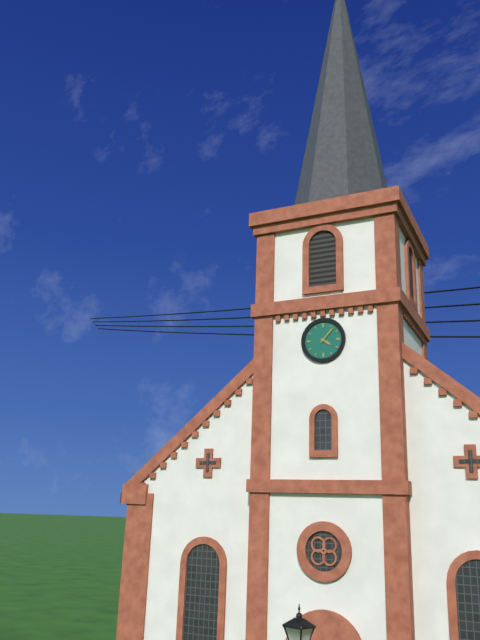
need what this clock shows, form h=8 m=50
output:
h=4 m=7
